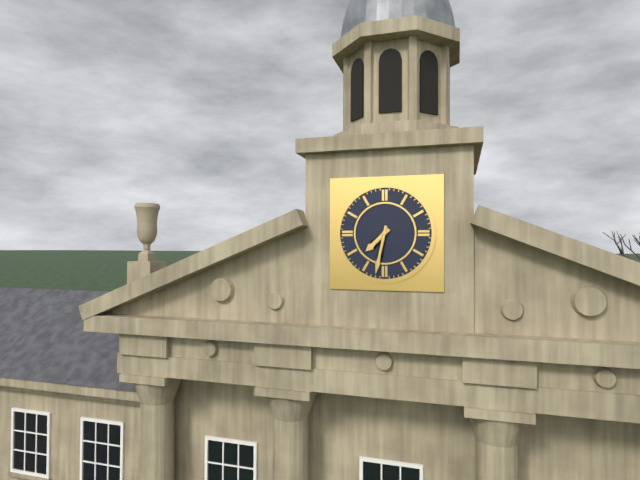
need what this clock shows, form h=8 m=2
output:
h=7 m=32
